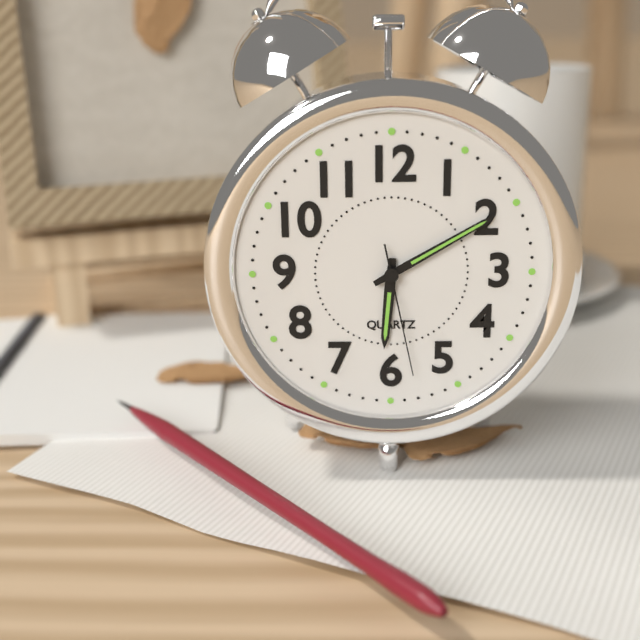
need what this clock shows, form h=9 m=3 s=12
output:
h=6 m=10 s=28
